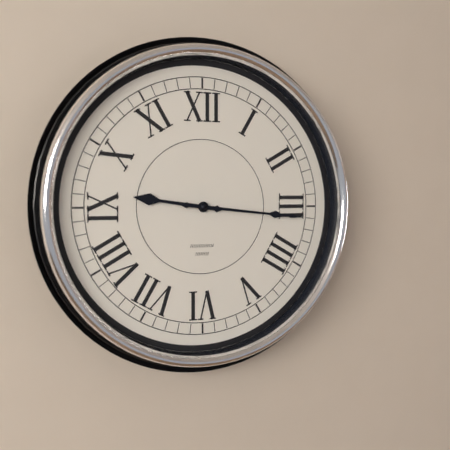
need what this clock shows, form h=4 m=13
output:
h=9 m=16
